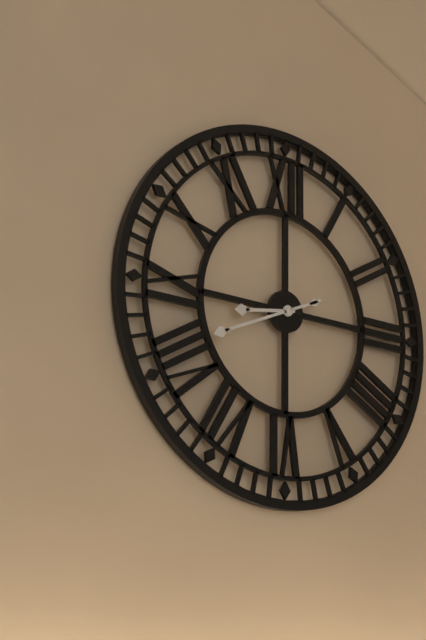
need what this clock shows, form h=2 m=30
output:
h=8 m=41
